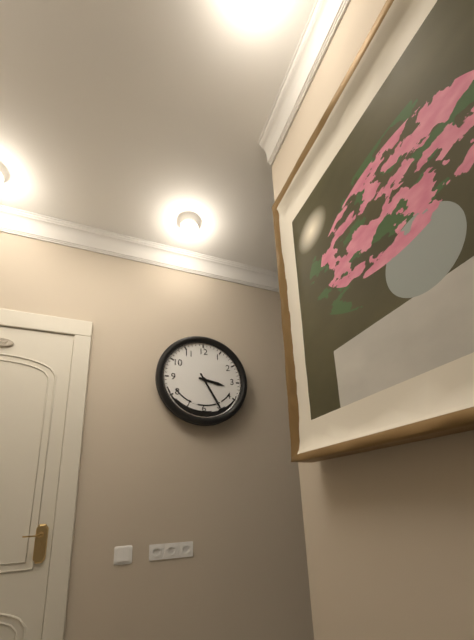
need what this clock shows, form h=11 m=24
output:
h=3 m=25
